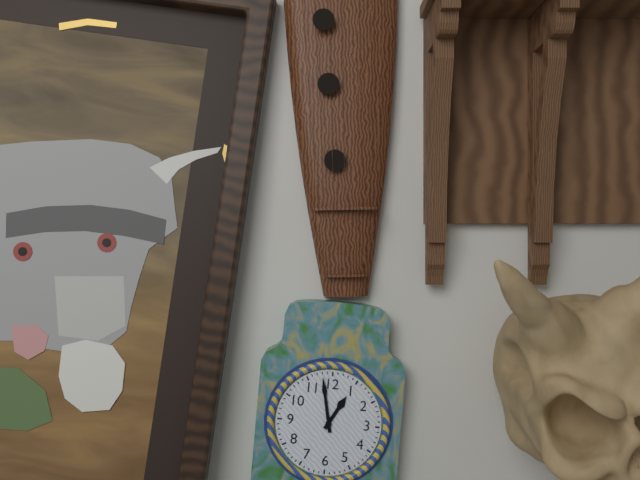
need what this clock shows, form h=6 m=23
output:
h=12 m=58
